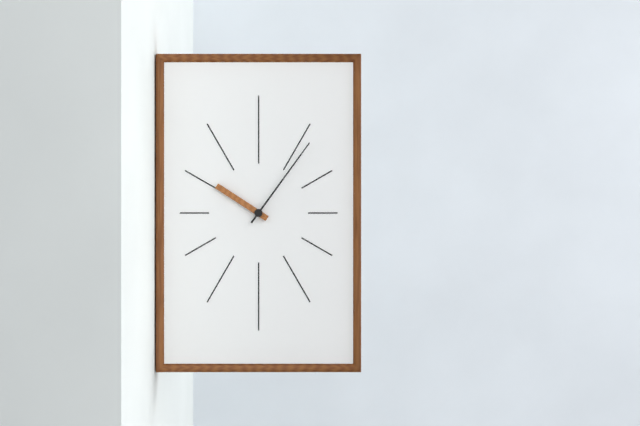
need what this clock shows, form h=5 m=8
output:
h=10 m=6
